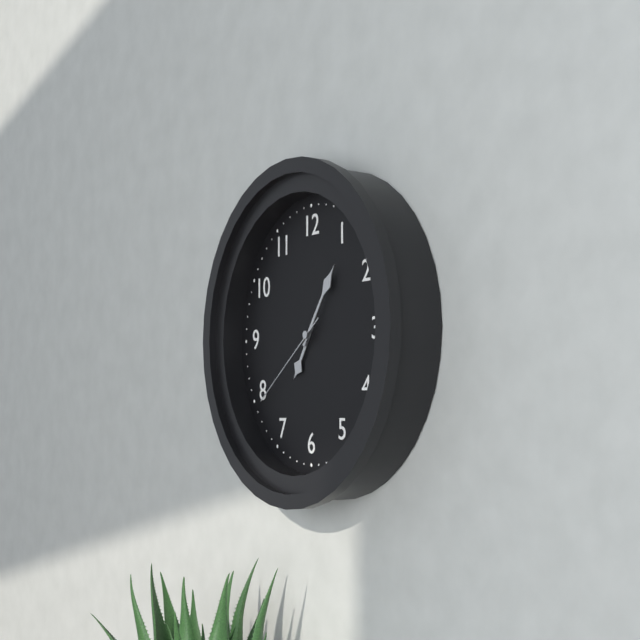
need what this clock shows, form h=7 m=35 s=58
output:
h=7 m=6 s=39
